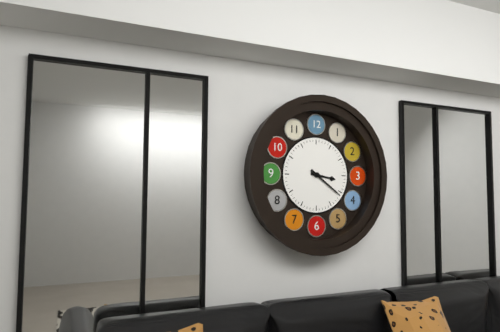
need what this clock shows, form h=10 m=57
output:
h=3 m=21
